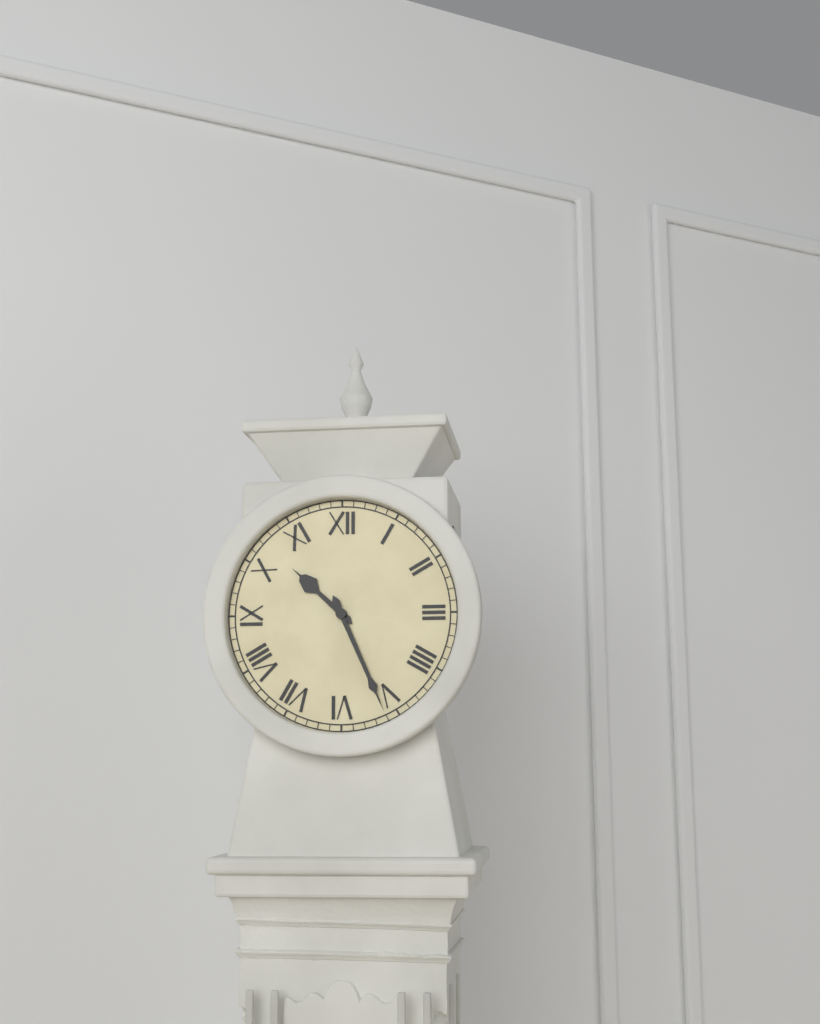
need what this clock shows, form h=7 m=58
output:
h=10 m=26
